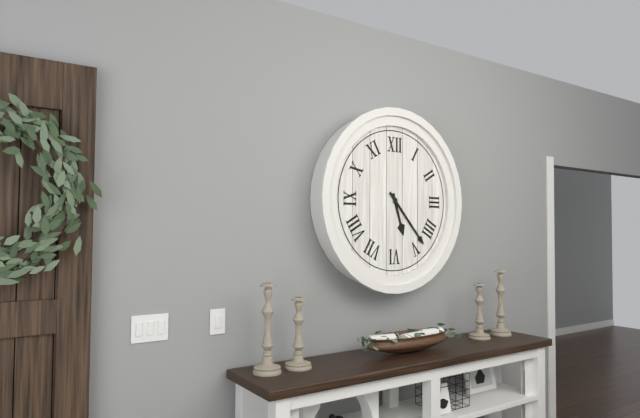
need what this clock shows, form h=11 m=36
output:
h=5 m=23
